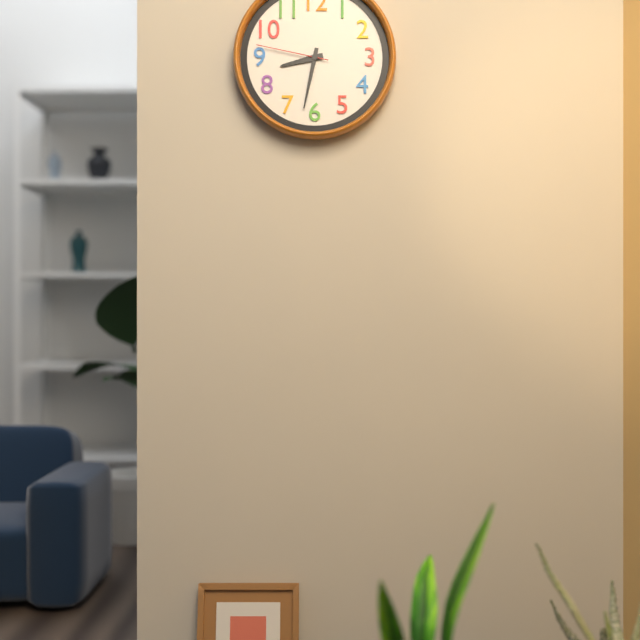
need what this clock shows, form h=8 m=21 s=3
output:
h=8 m=32 s=47
